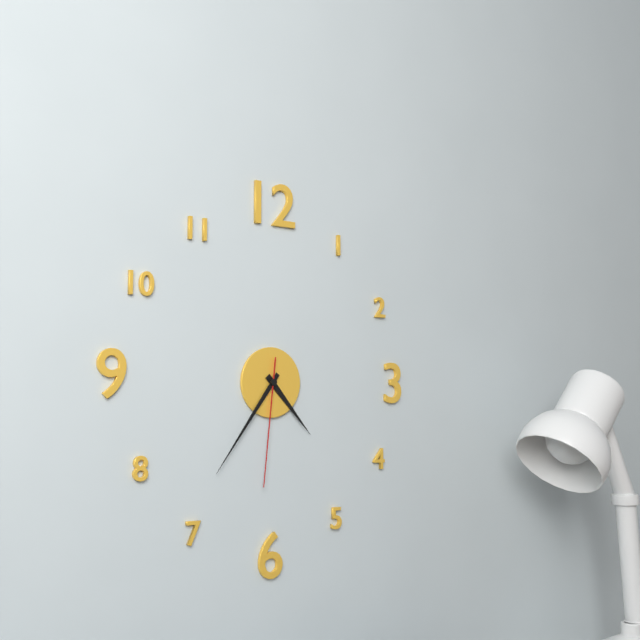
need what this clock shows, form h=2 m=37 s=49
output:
h=4 m=36 s=31
